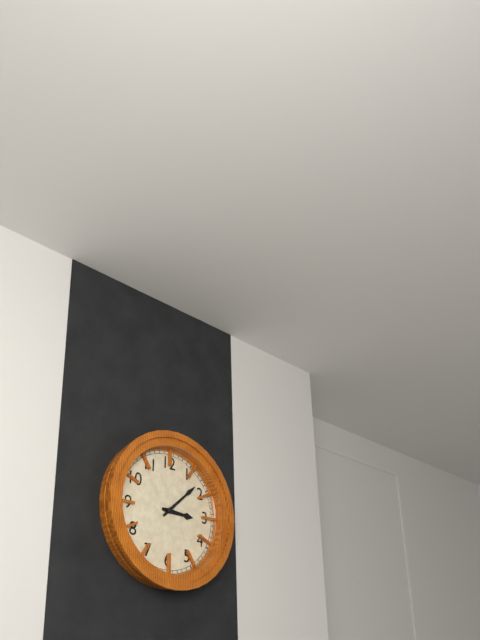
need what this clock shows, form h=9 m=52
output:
h=3 m=8
